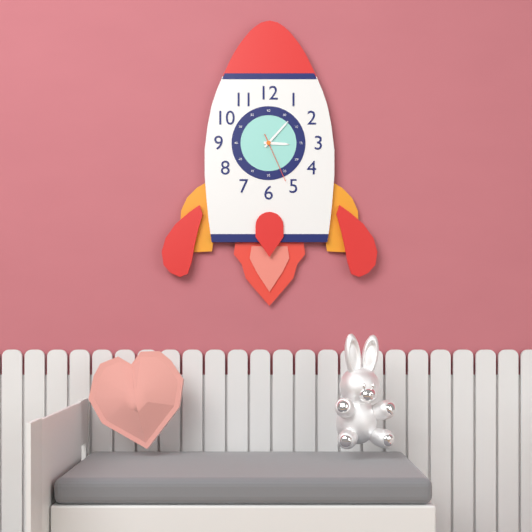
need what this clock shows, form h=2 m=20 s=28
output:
h=3 m=7 s=26
